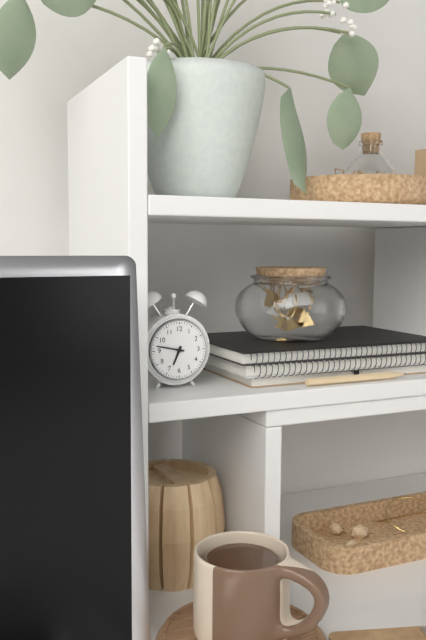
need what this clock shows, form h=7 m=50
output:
h=6 m=47
